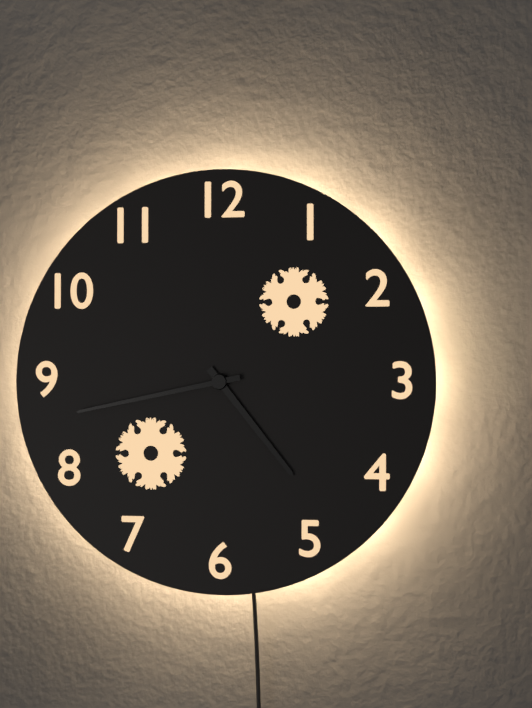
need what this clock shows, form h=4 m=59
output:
h=4 m=43
